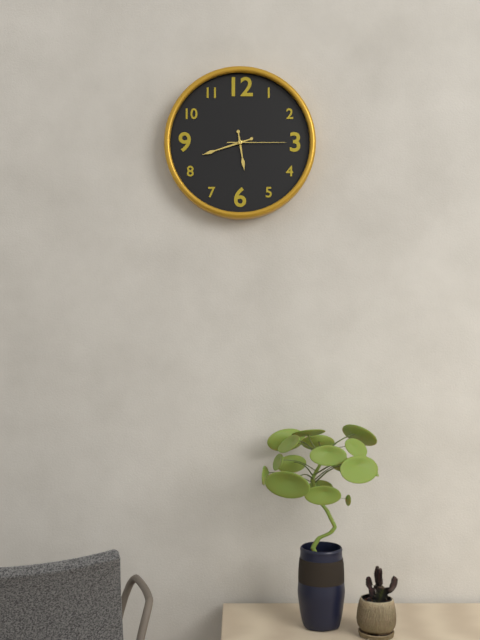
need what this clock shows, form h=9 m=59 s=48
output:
h=5 m=42 s=15
